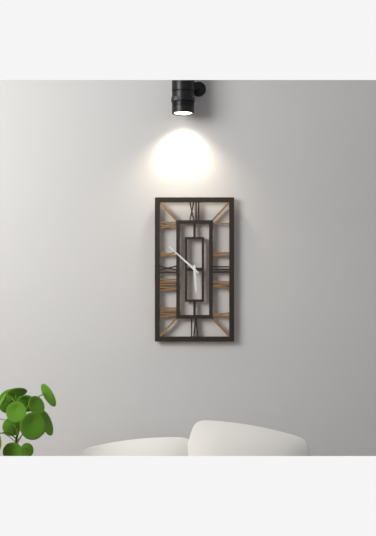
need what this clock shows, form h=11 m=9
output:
h=5 m=52
